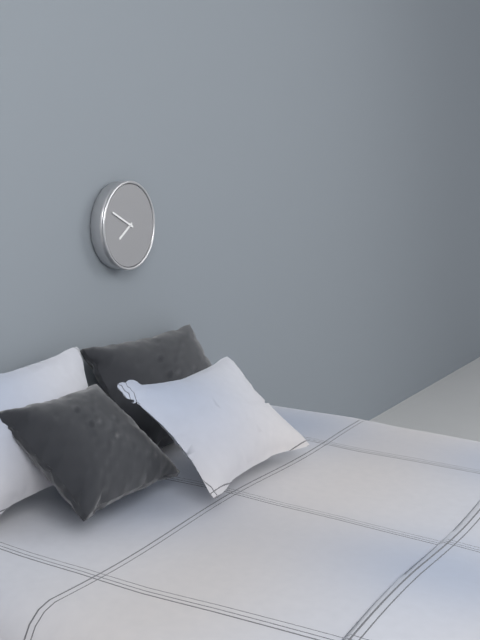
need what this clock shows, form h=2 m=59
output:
h=7 m=49
